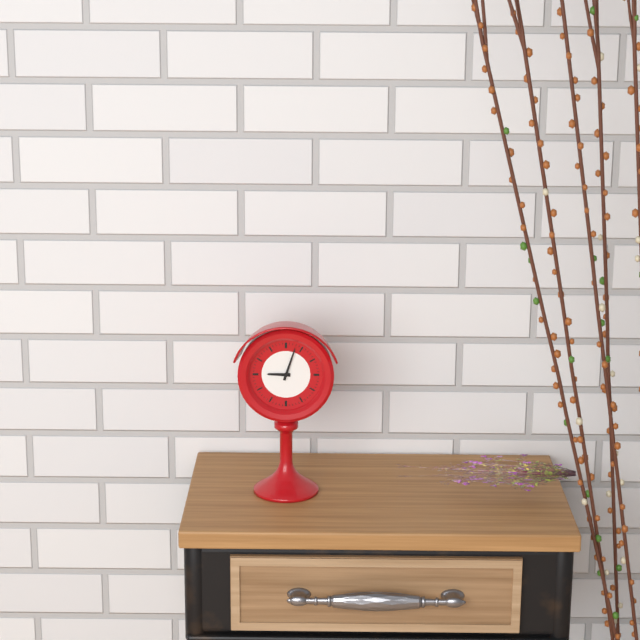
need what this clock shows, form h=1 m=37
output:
h=9 m=3
